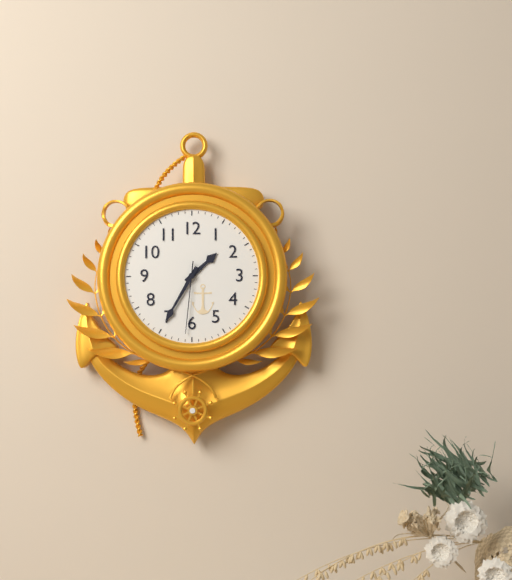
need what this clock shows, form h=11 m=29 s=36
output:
h=1 m=35 s=31
